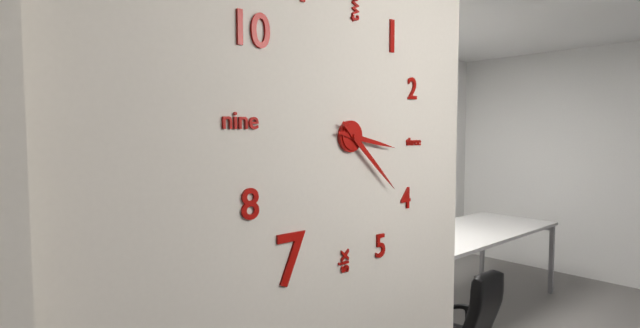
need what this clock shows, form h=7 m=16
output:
h=3 m=22
